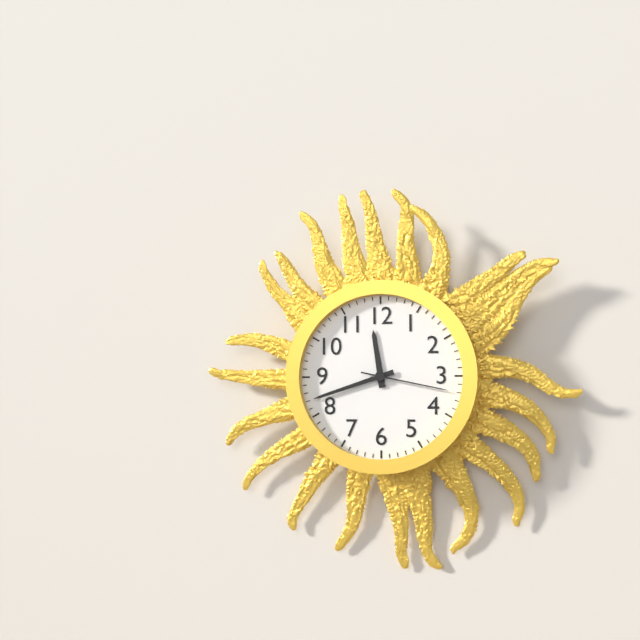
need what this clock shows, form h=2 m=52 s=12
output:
h=11 m=42 s=17
